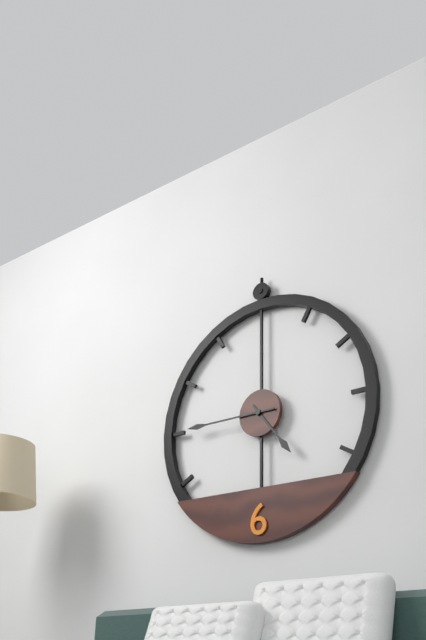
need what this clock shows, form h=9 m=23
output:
h=4 m=45
